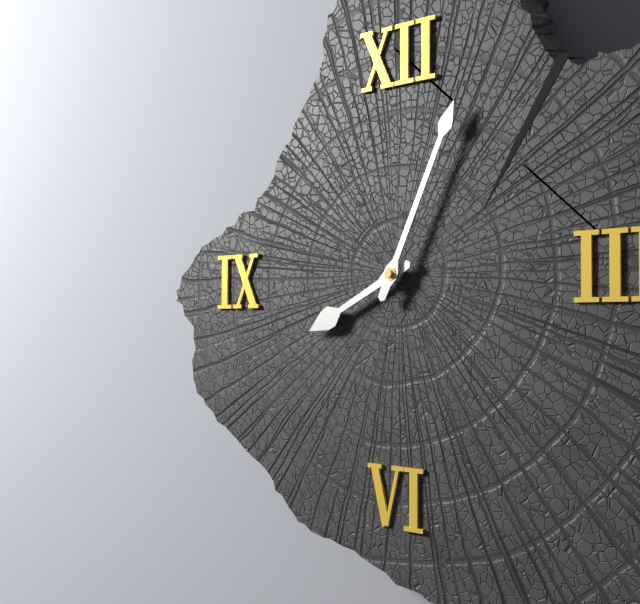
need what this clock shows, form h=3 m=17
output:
h=8 m=4
